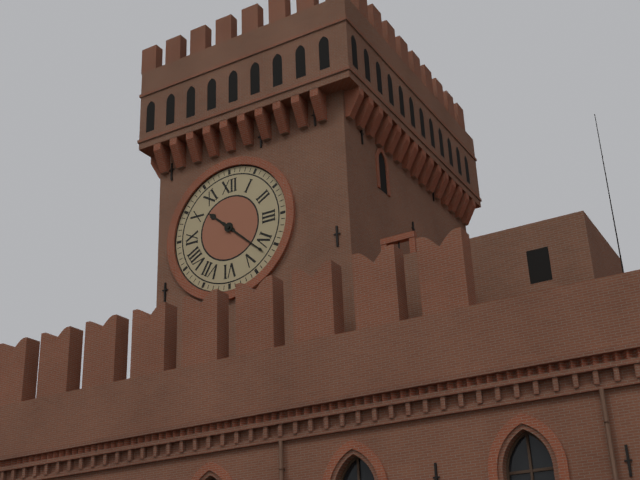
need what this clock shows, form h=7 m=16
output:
h=10 m=22
